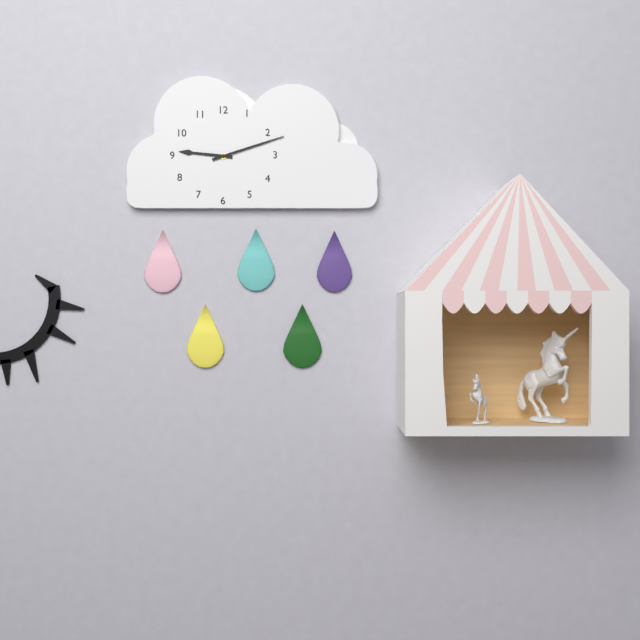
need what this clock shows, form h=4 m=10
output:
h=9 m=12
